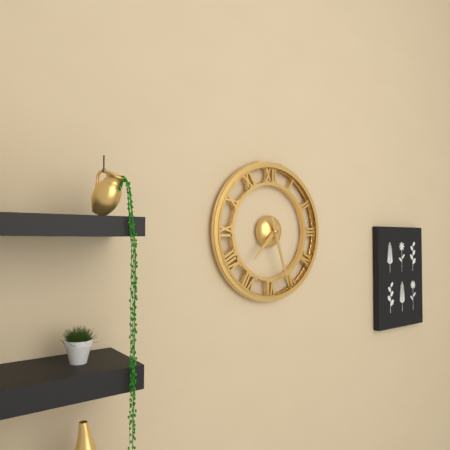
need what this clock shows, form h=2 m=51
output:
h=7 m=27
